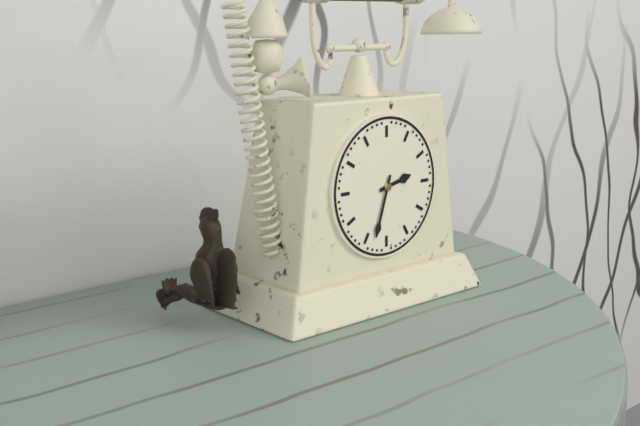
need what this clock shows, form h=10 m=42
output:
h=2 m=33
